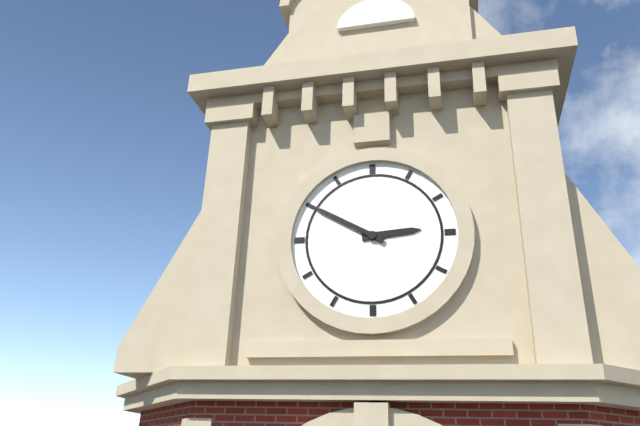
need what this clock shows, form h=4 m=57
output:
h=2 m=50
